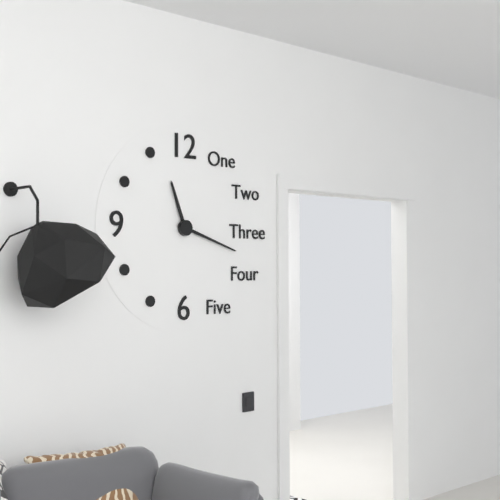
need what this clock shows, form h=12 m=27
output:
h=11 m=18
